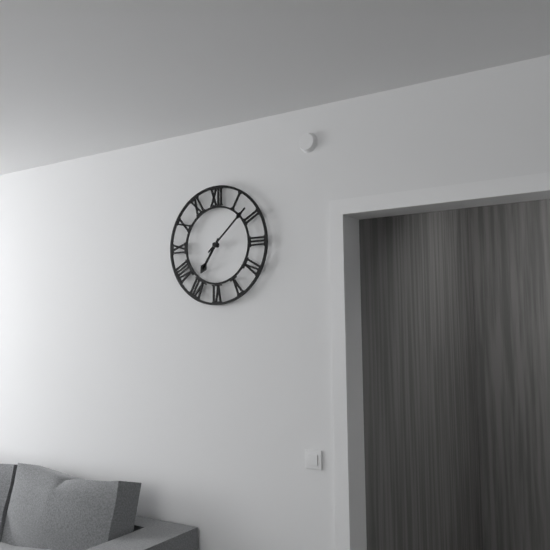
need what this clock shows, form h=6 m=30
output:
h=7 m=8
